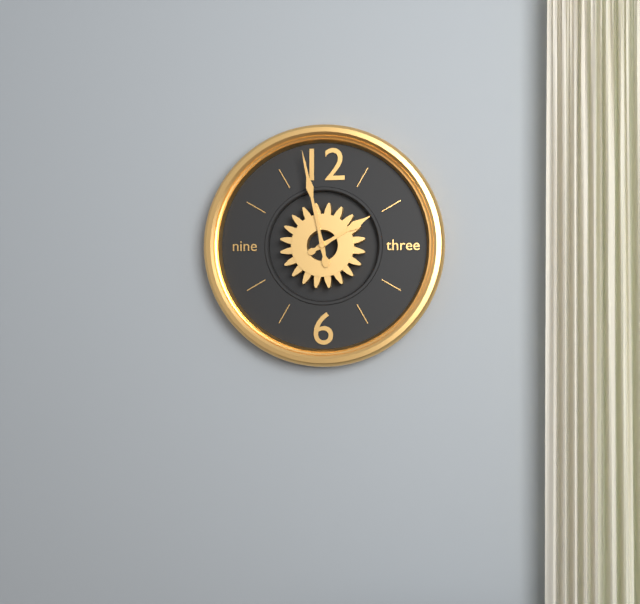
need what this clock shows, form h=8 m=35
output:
h=1 m=58
